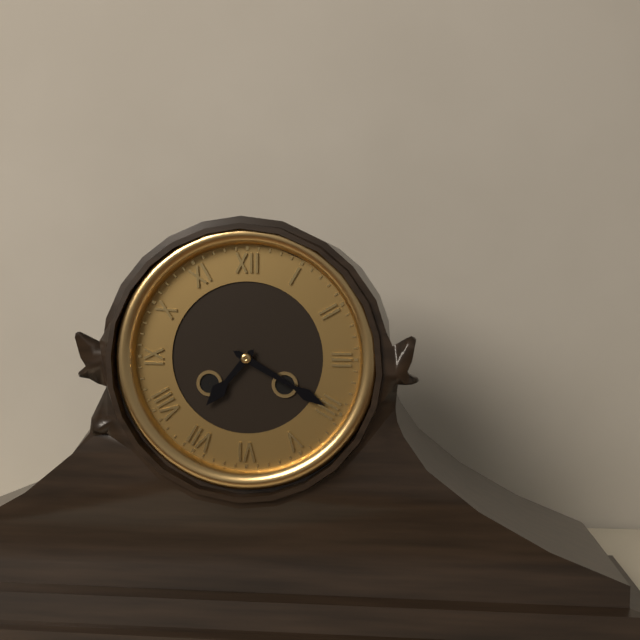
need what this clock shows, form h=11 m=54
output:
h=7 m=20
